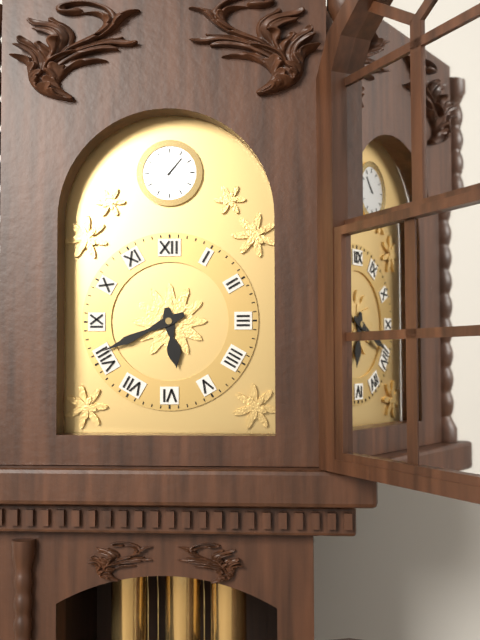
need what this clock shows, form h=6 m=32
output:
h=5 m=41
